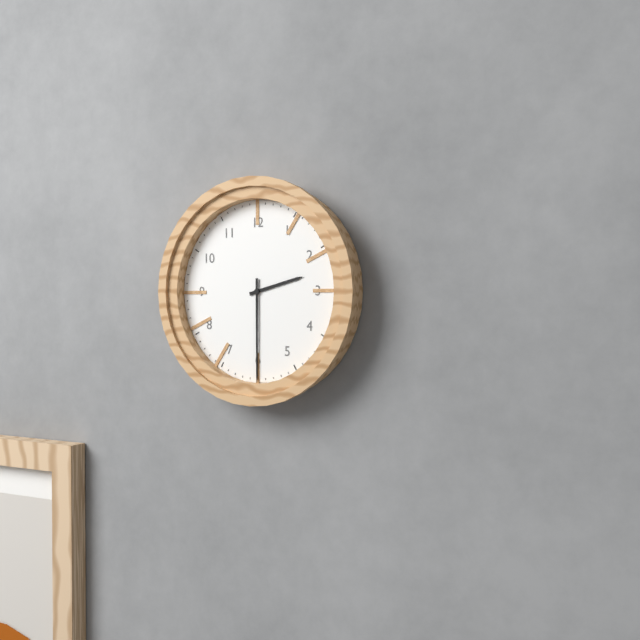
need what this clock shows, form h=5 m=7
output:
h=2 m=30
